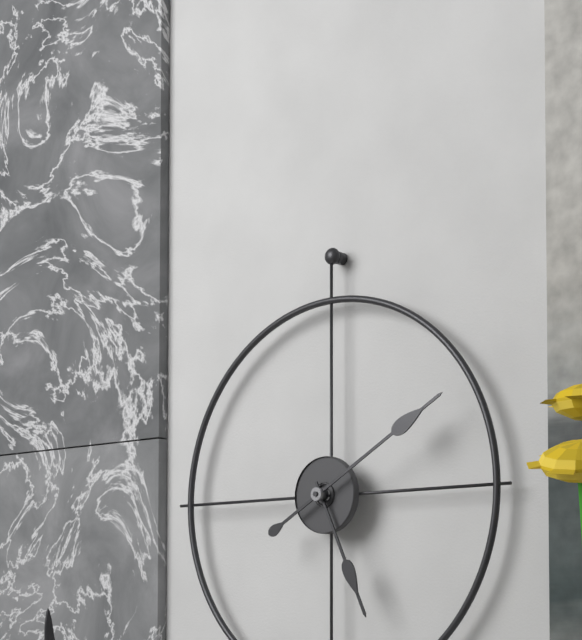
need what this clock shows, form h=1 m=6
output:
h=5 m=10
